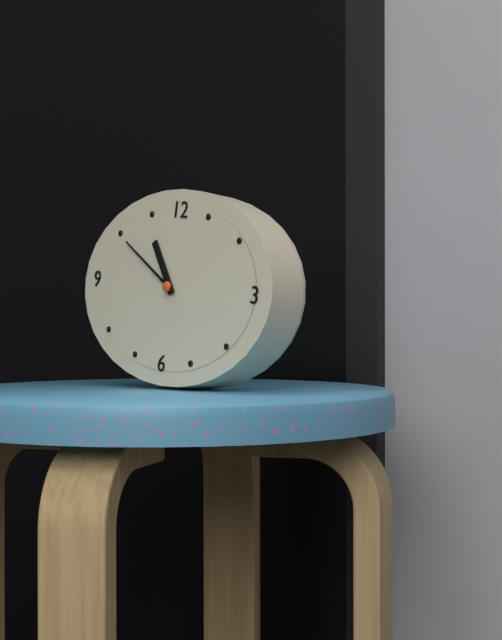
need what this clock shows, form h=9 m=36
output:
h=10 m=50
